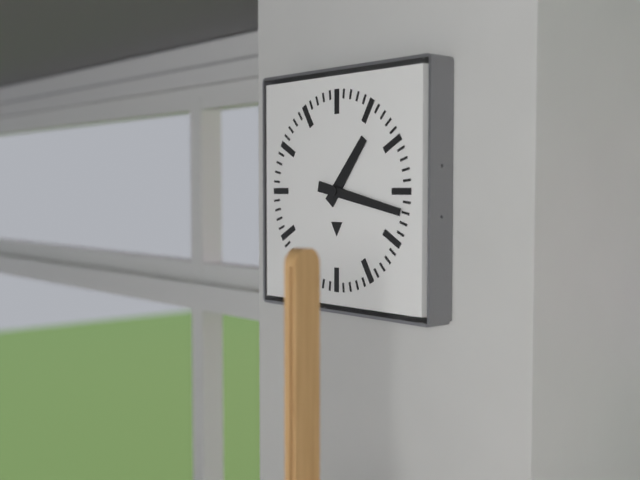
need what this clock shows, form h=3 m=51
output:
h=1 m=17
